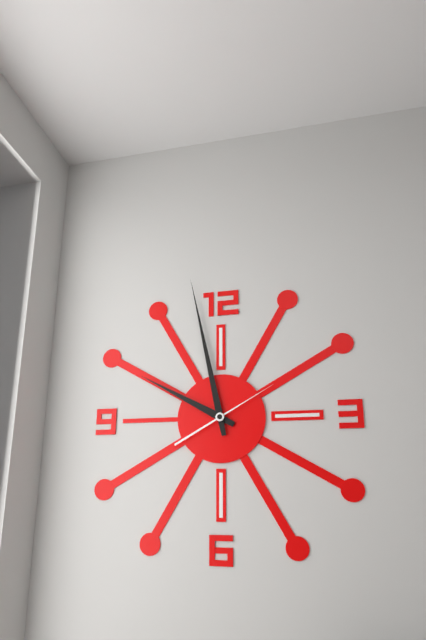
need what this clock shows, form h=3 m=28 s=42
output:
h=9 m=58 s=10
